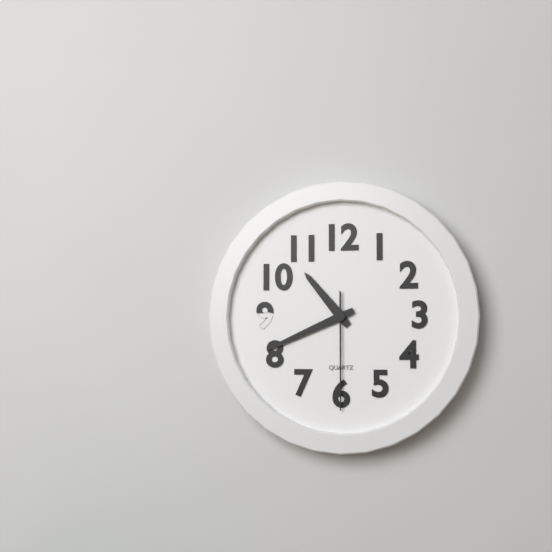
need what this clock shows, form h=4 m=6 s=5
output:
h=10 m=41 s=30
